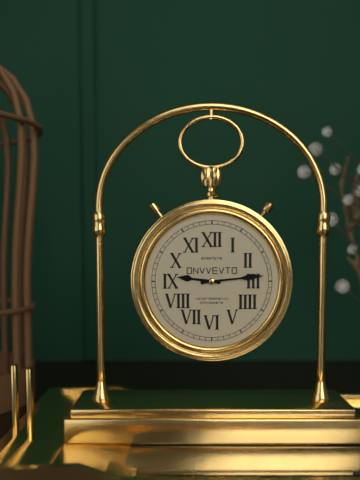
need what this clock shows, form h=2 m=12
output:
h=9 m=14
